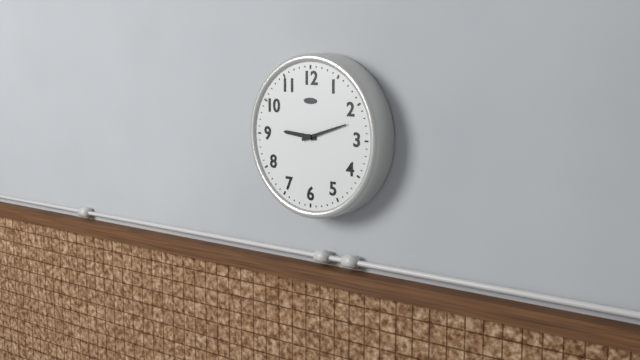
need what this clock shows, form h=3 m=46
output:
h=9 m=12
